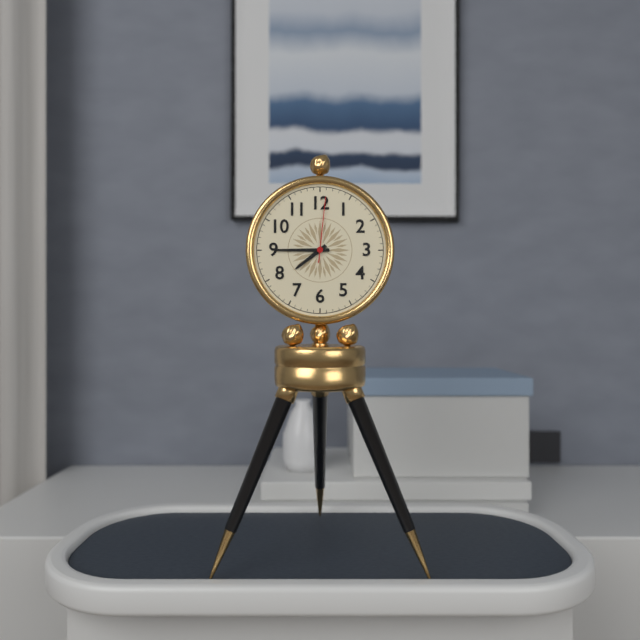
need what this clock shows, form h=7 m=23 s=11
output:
h=7 m=45 s=1
